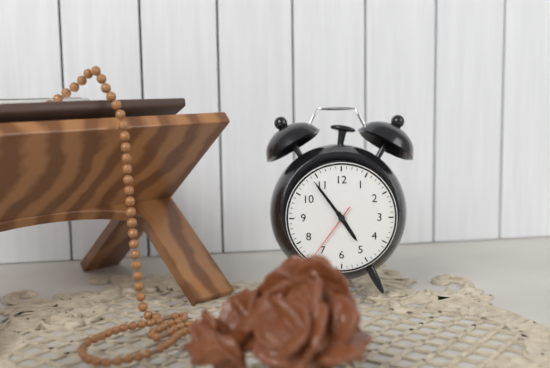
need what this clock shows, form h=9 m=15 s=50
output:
h=4 m=54 s=36
